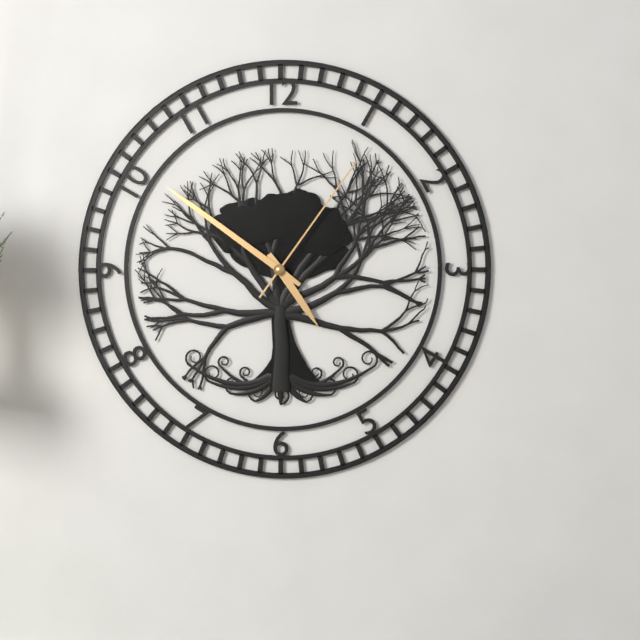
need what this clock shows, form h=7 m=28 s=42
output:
h=4 m=51 s=6
